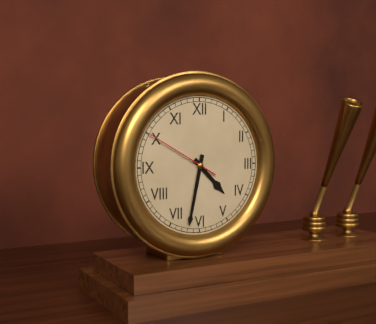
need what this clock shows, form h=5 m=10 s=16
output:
h=4 m=32 s=50
